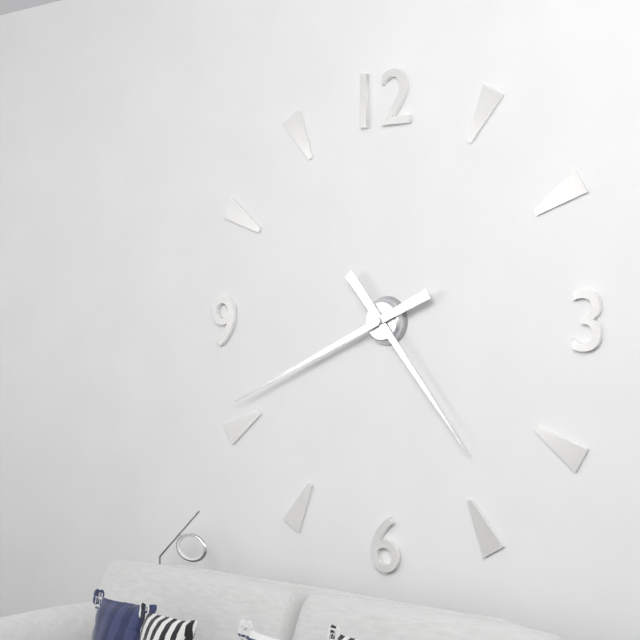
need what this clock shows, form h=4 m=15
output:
h=4 m=41
